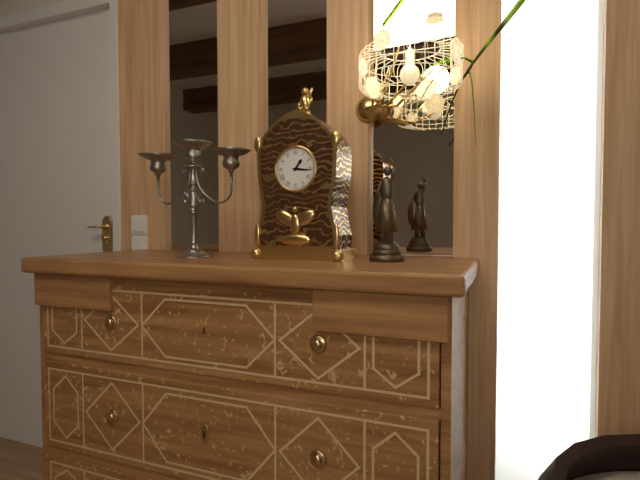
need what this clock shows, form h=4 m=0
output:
h=1 m=16
